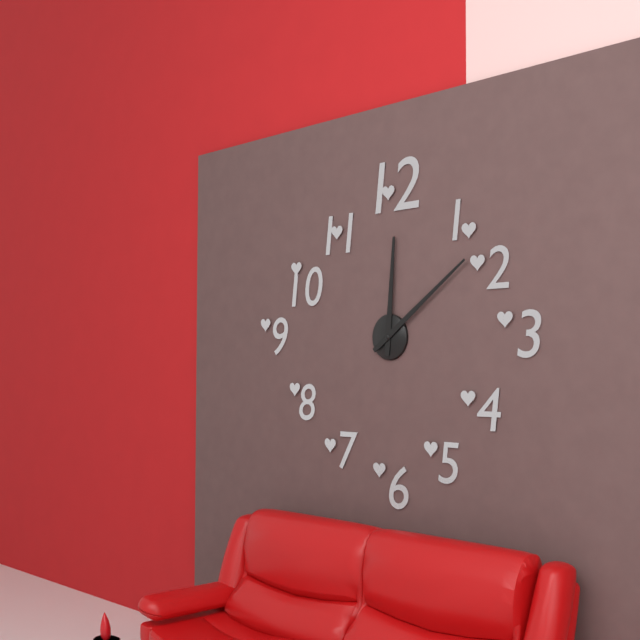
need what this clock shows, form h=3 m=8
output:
h=12 m=9
